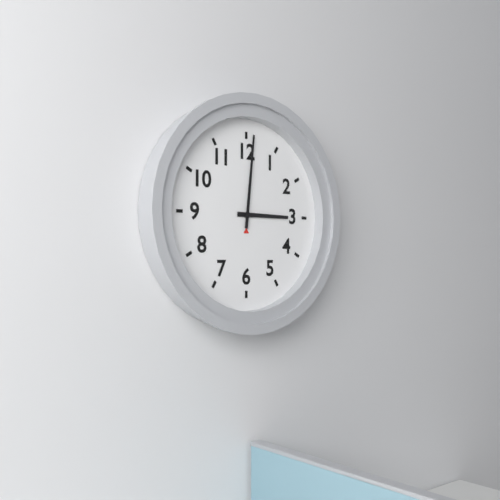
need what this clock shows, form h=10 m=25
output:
h=3 m=1
